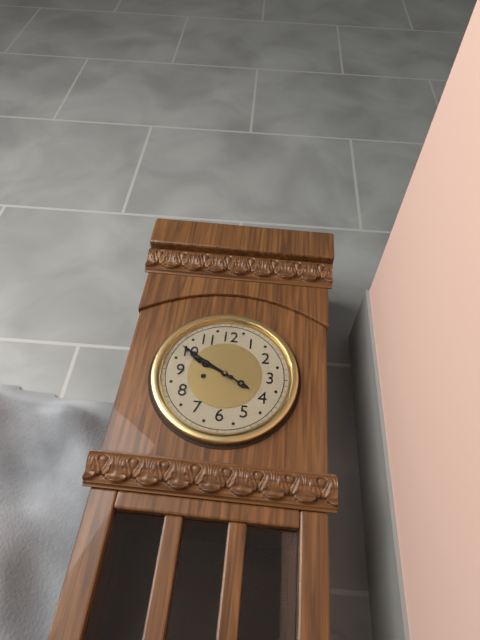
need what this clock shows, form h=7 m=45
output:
h=9 m=50
